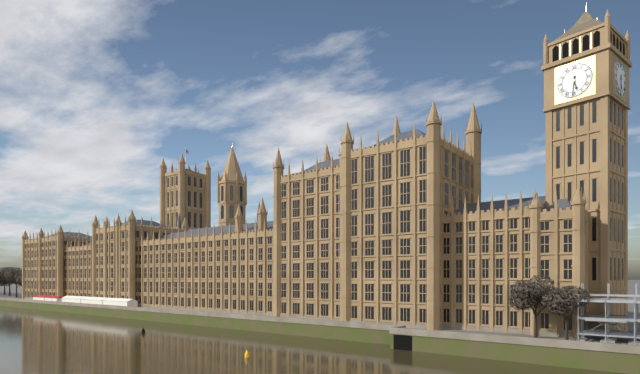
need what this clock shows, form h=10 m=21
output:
h=5 m=31
